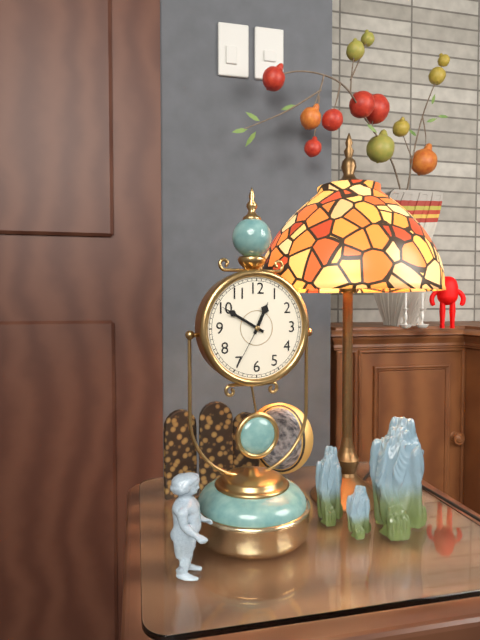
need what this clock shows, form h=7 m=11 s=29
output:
h=12 m=50 s=35
